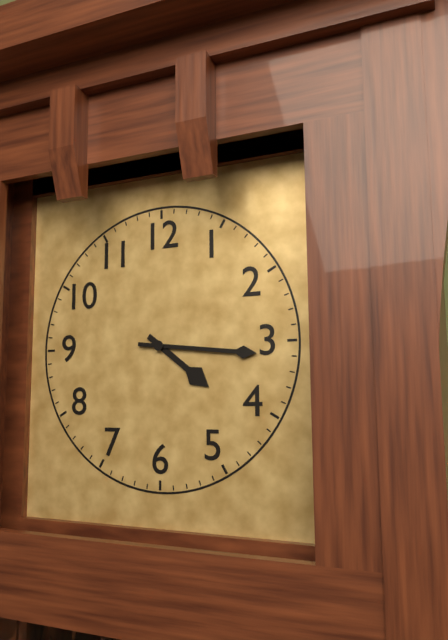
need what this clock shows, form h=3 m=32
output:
h=4 m=16
